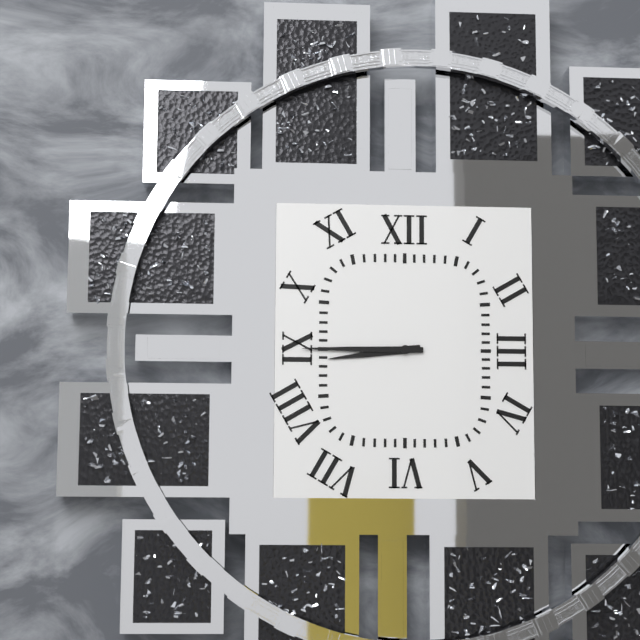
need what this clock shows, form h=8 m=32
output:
h=8 m=45
